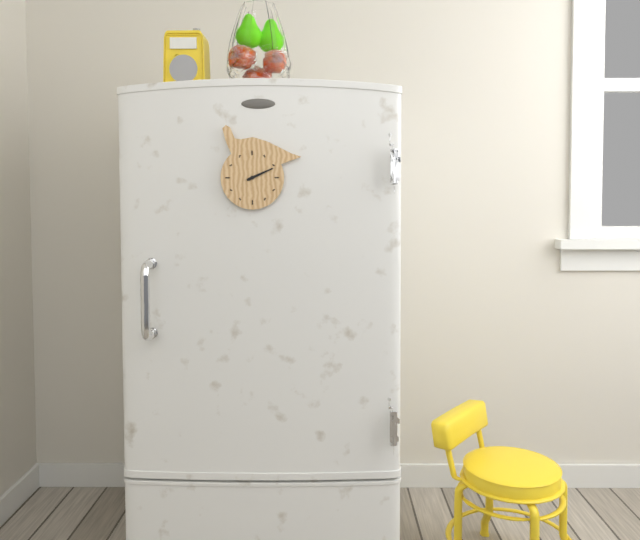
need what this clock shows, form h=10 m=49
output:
h=2 m=11
